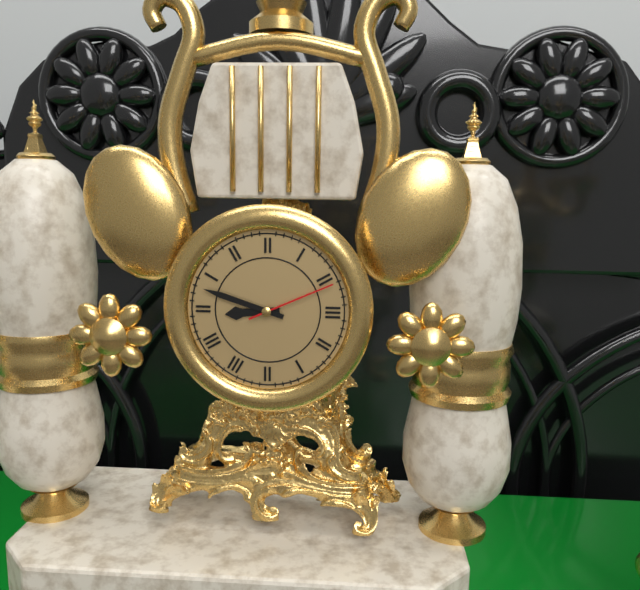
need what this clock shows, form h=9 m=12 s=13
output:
h=8 m=48 s=11
